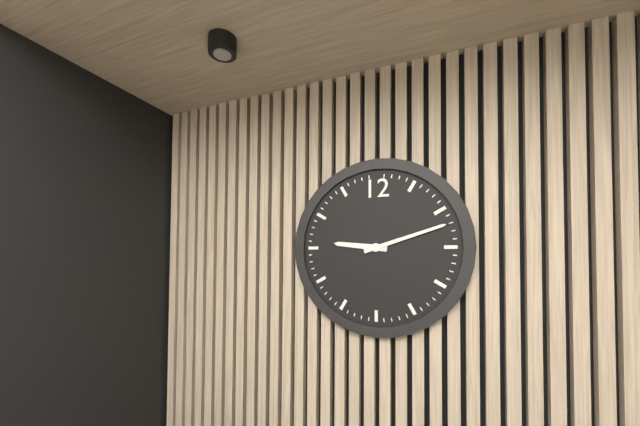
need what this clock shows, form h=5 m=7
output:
h=9 m=12
